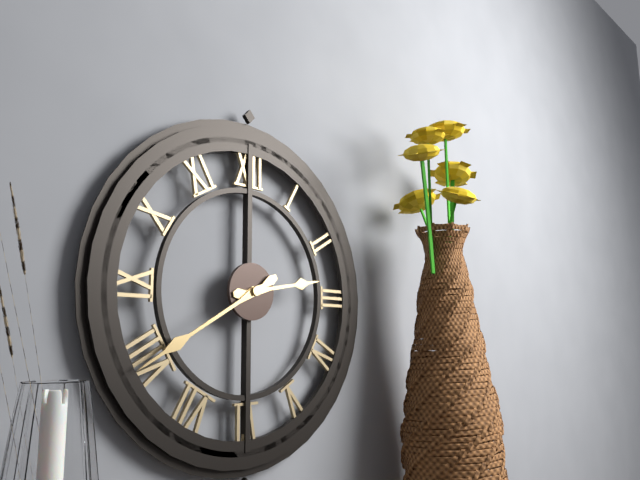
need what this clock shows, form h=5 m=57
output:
h=2 m=40
